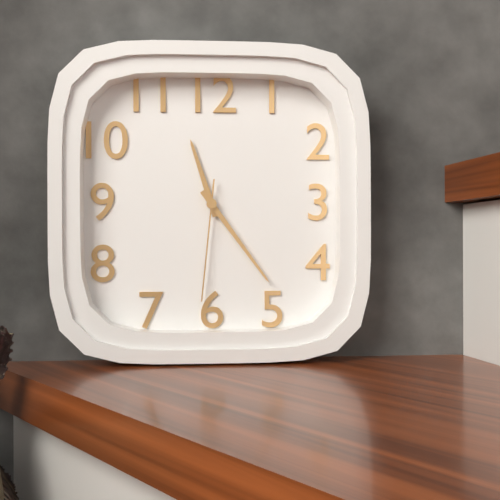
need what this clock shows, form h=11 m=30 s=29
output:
h=11 m=24 s=31
